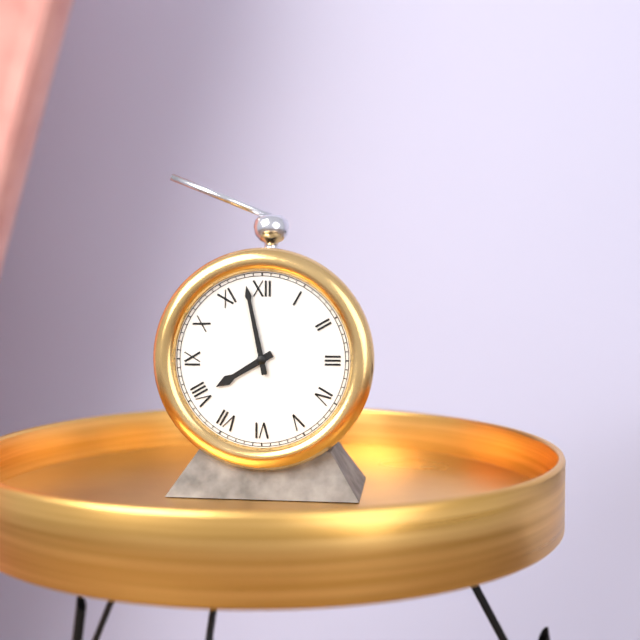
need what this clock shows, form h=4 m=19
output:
h=7 m=58
